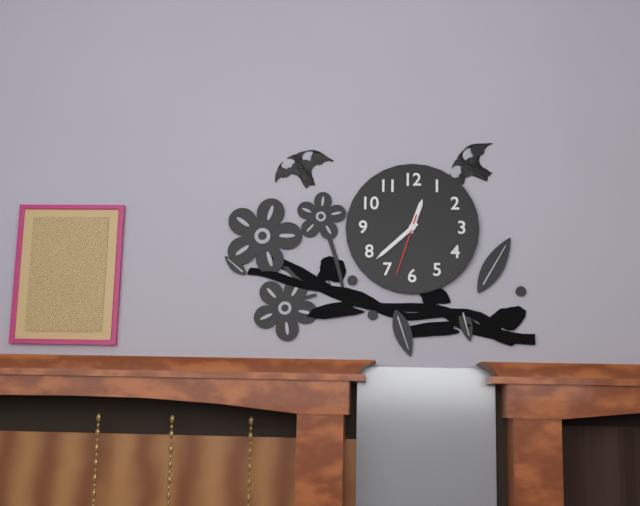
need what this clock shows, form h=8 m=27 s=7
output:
h=12 m=38 s=33
